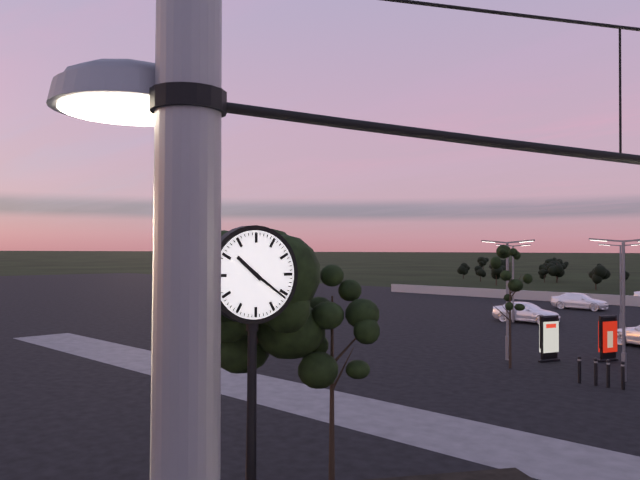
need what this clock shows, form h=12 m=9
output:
h=10 m=21
